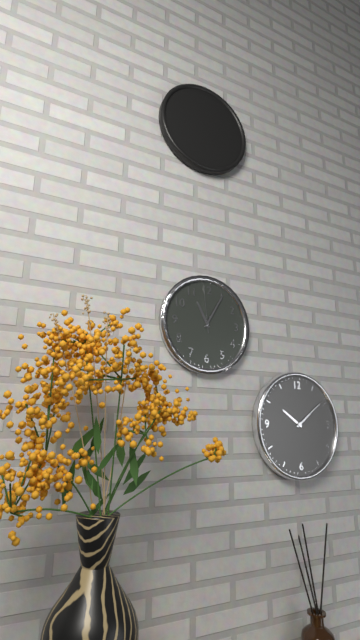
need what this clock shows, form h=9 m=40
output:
h=11 m=5
